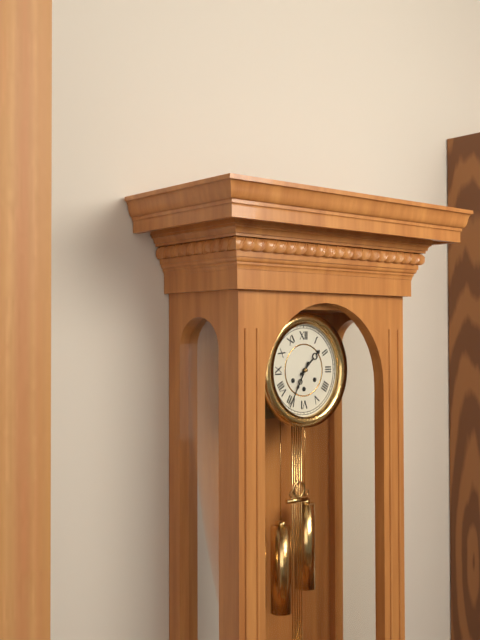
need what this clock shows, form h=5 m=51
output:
h=1 m=35
